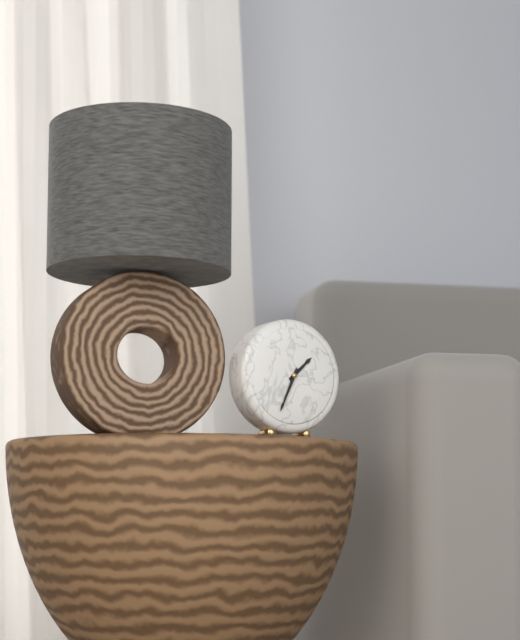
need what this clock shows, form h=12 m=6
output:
h=1 m=34
